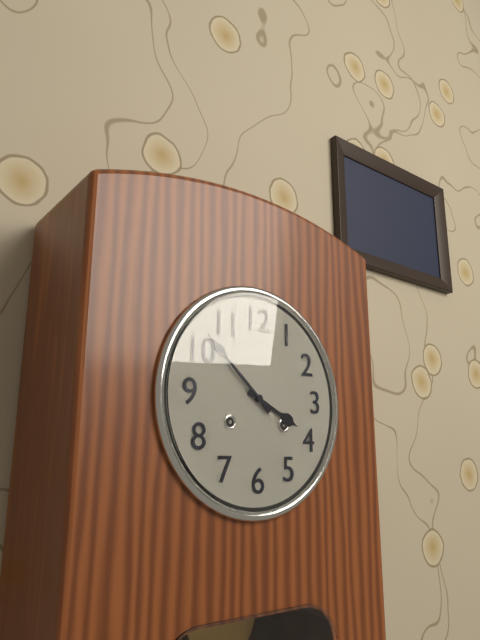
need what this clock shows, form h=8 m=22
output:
h=3 m=52
